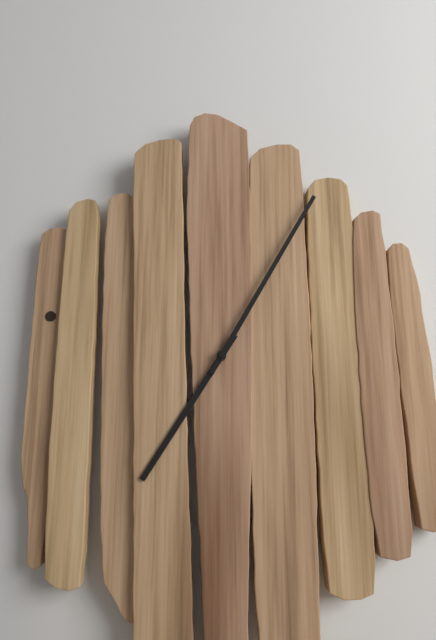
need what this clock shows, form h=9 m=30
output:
h=7 m=5
